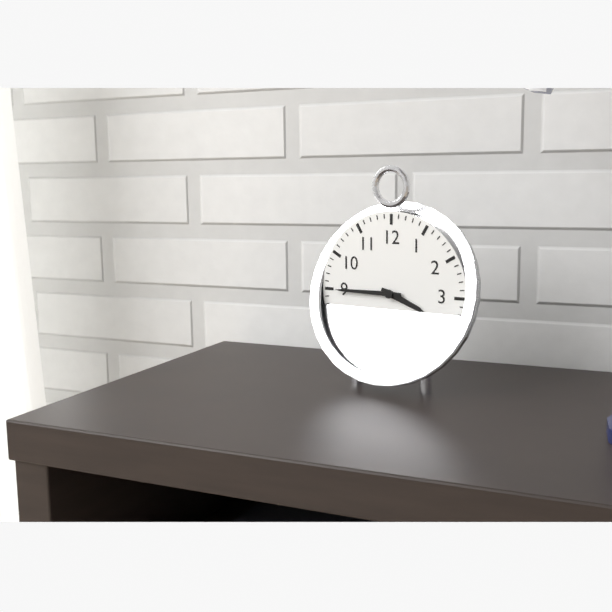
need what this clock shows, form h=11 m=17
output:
h=3 m=45
